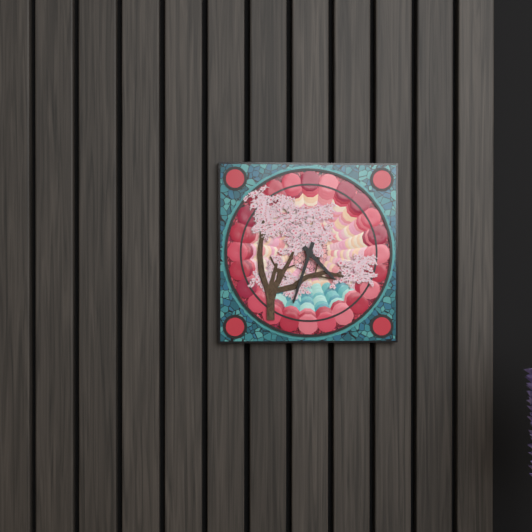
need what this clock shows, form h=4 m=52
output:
h=4 m=33
